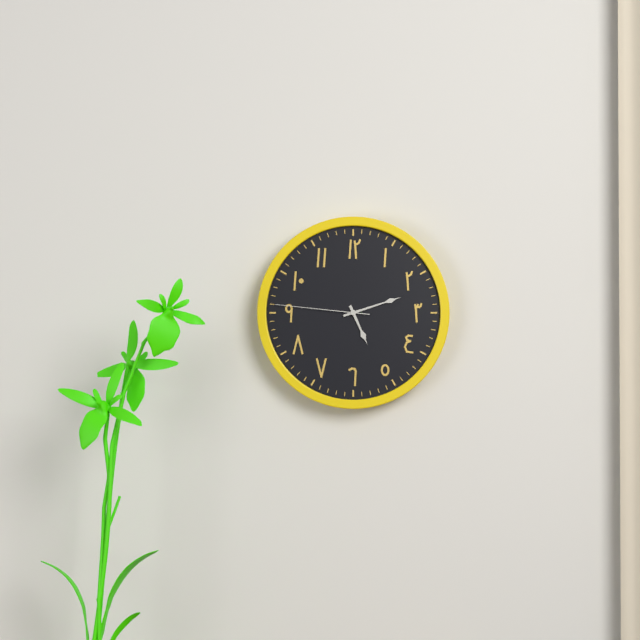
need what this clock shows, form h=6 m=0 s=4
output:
h=5 m=12 s=46
